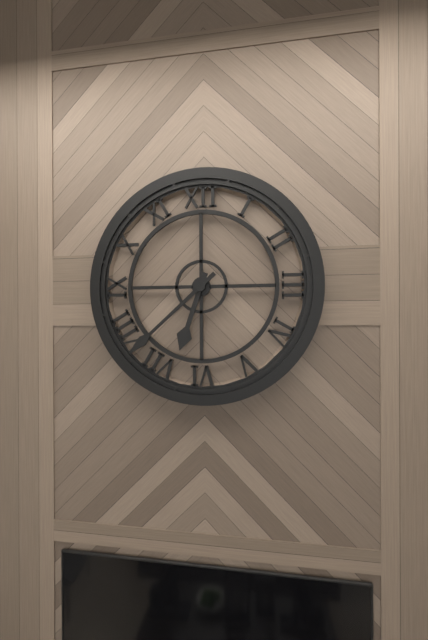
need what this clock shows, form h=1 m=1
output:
h=6 m=38
